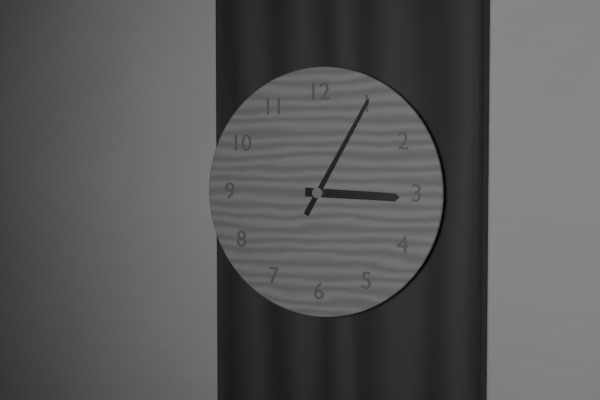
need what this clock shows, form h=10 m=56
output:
h=3 m=5
